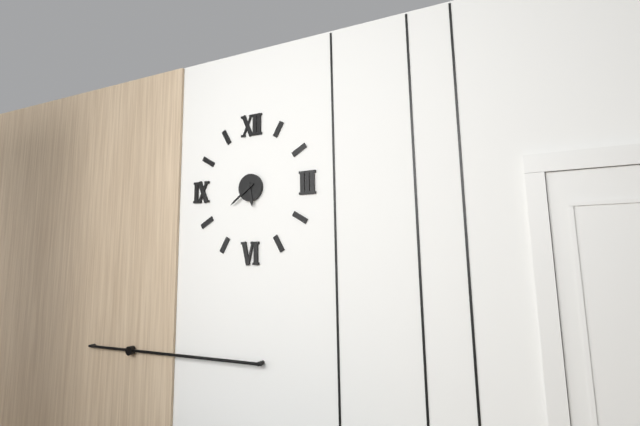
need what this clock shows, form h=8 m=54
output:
h=5 m=39
